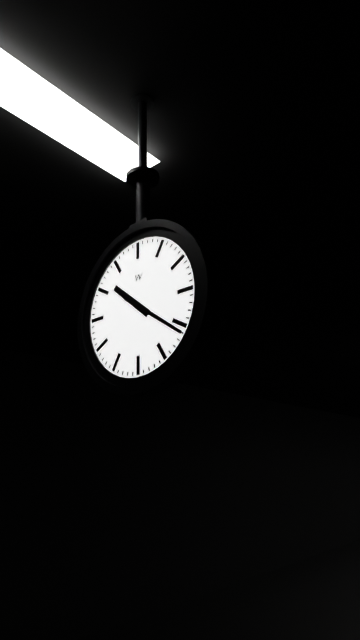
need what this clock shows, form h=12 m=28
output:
h=10 m=21
